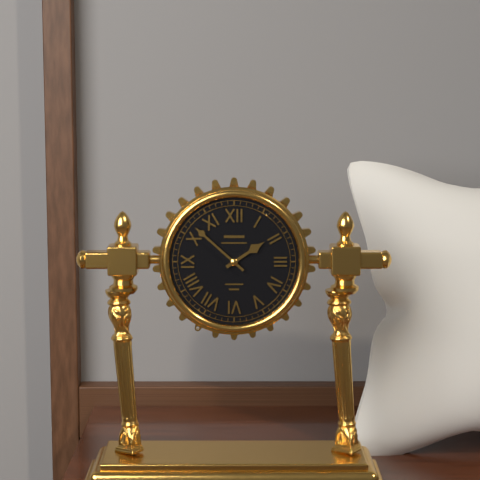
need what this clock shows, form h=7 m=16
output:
h=1 m=52
